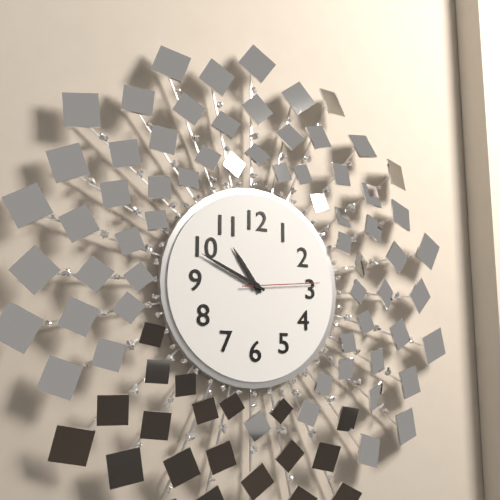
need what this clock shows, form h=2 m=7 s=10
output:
h=10 m=49 s=14
